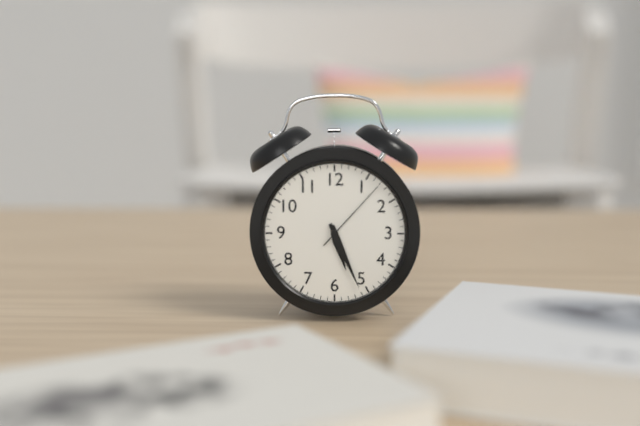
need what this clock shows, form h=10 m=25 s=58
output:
h=5 m=26 s=7
